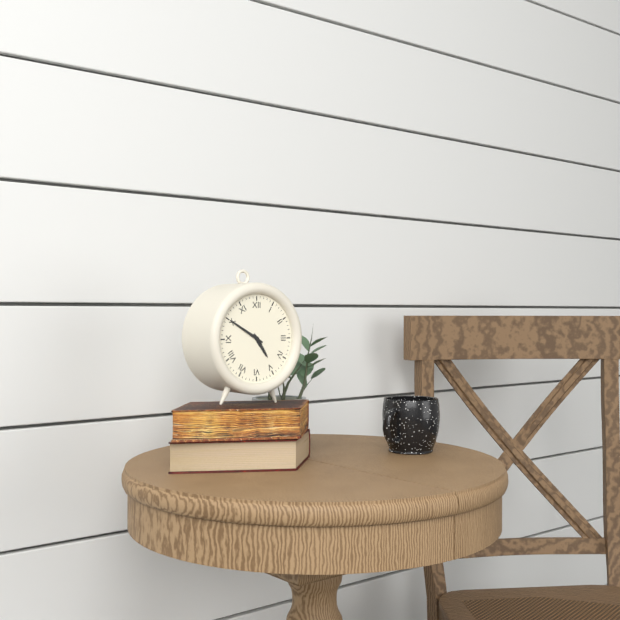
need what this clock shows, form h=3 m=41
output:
h=4 m=50
